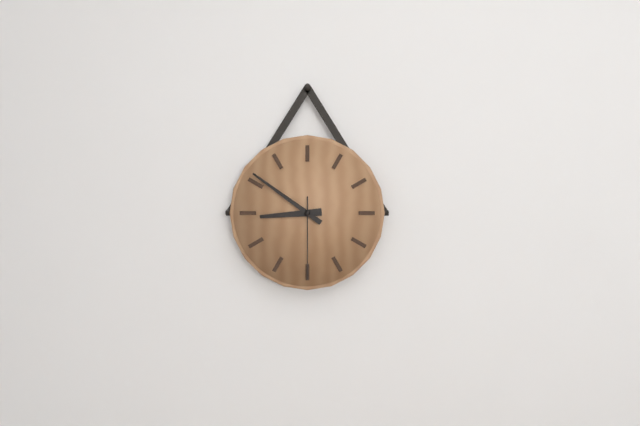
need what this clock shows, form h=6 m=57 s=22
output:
h=8 m=51 s=30
